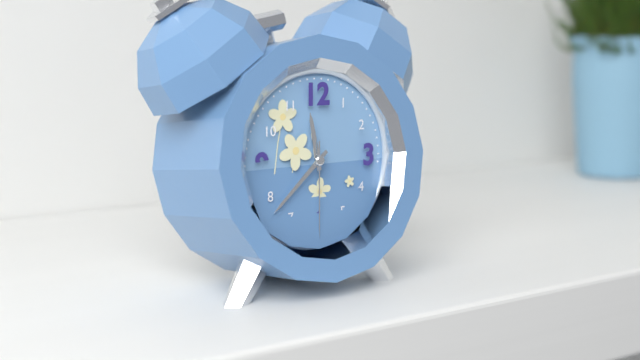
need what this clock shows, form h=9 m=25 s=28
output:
h=11 m=38 s=30
